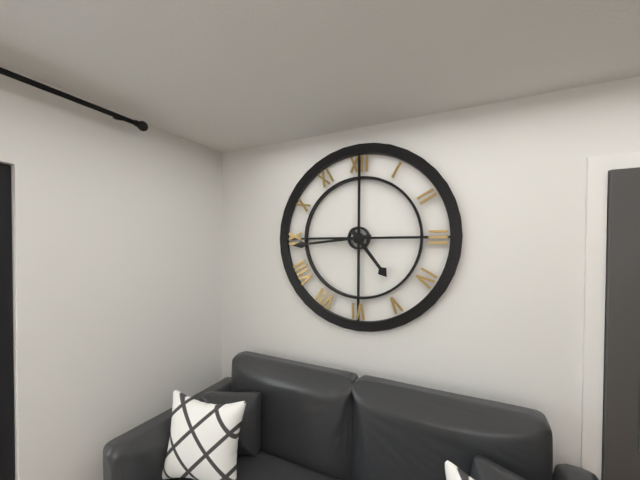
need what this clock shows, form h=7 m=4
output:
h=4 m=44
